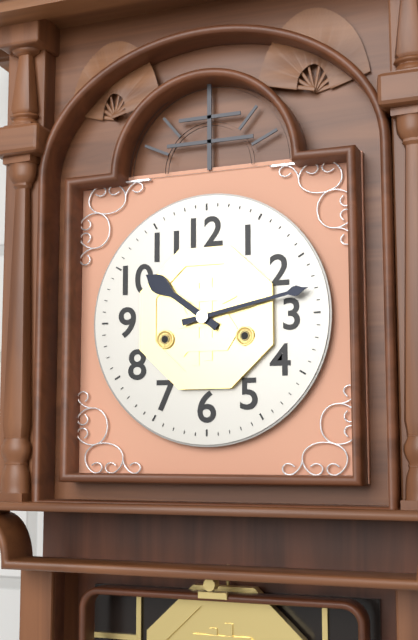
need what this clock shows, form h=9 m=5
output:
h=10 m=13
